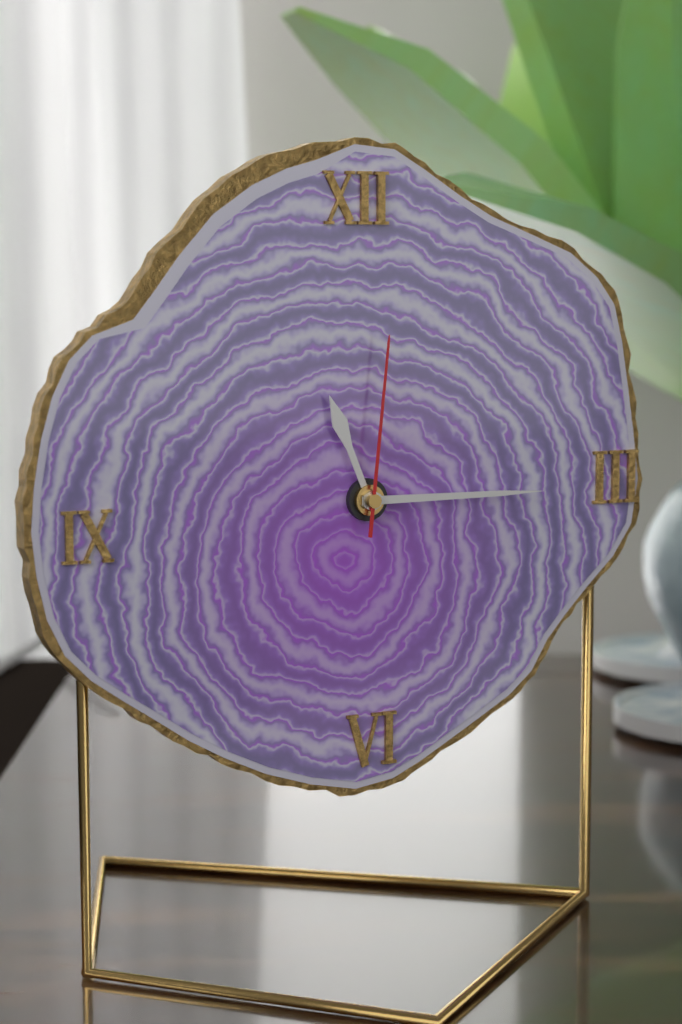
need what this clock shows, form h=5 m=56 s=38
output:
h=11 m=15 s=1
